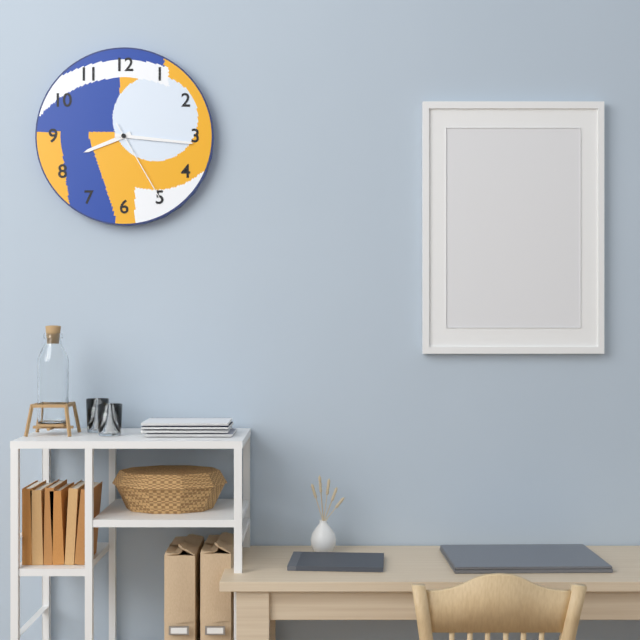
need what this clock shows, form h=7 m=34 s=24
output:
h=8 m=16 s=25
